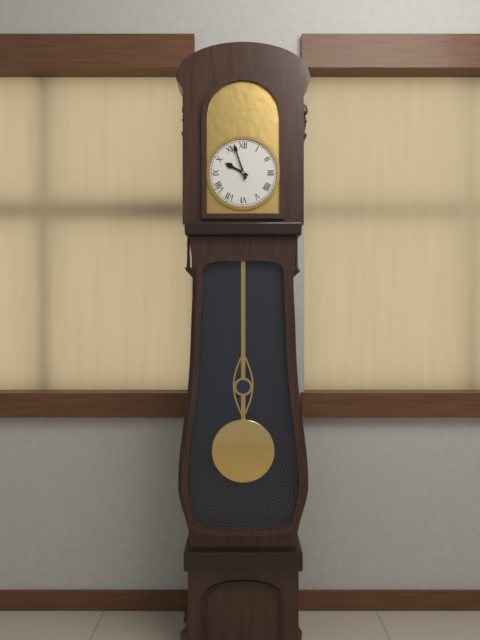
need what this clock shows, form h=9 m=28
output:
h=9 m=57
